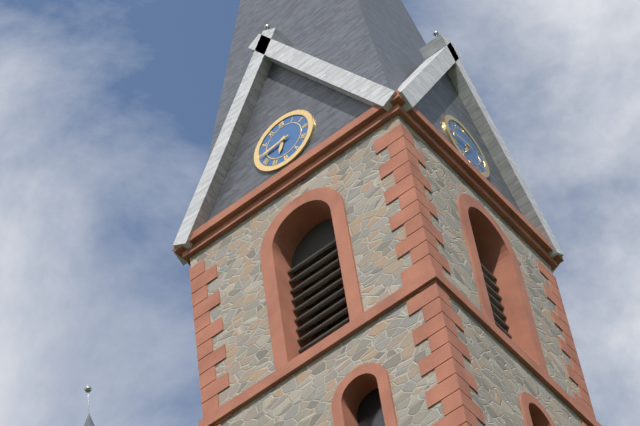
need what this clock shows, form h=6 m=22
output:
h=6 m=44
